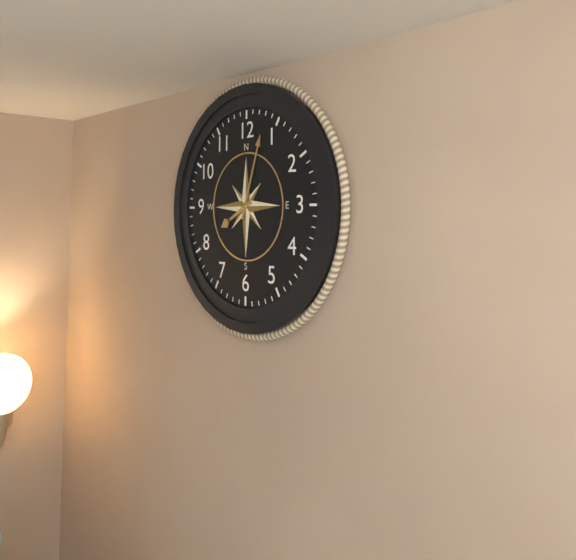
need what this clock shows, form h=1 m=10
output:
h=8 m=3
